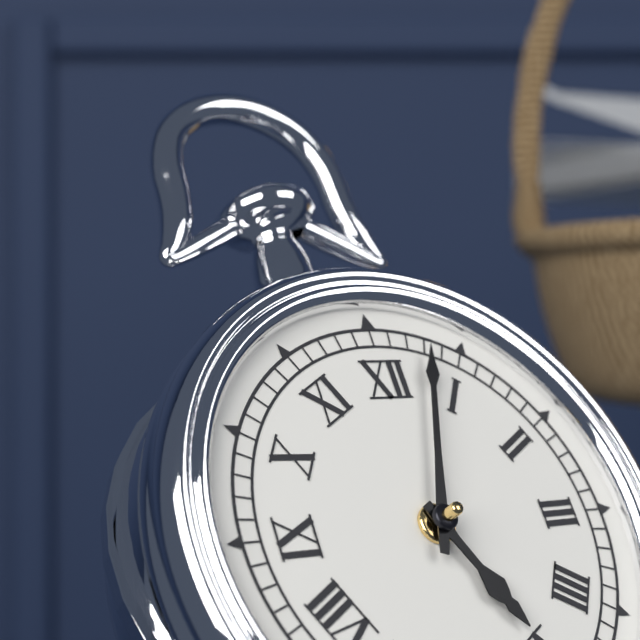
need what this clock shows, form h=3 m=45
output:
h=5 m=3
